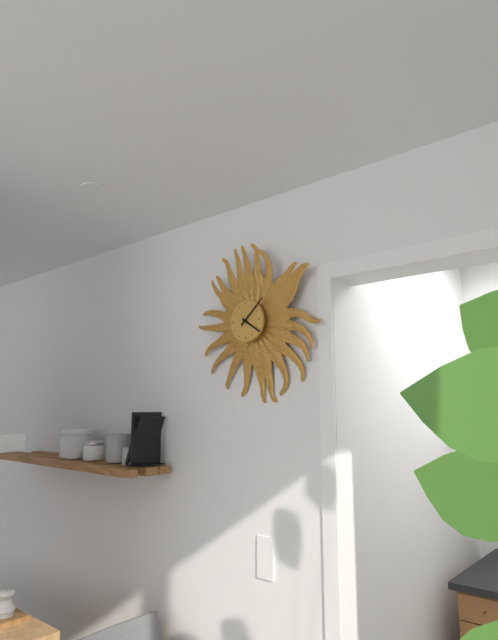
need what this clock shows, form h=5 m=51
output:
h=4 m=8
